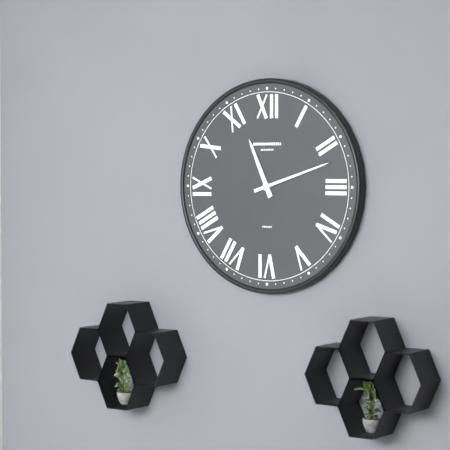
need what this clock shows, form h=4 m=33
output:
h=11 m=12
